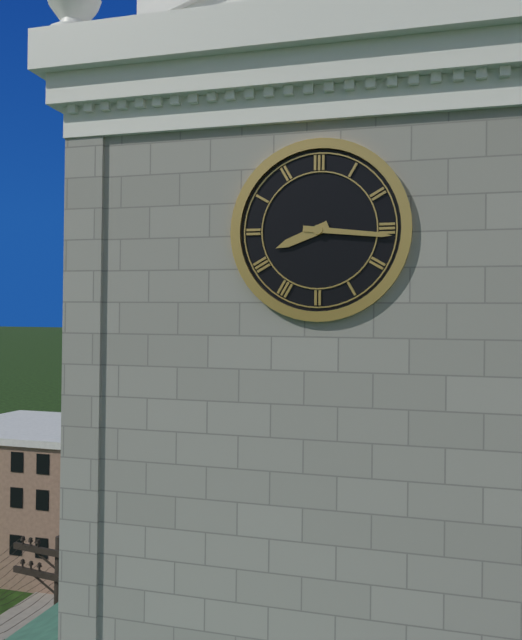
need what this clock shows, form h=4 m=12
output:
h=8 m=16
